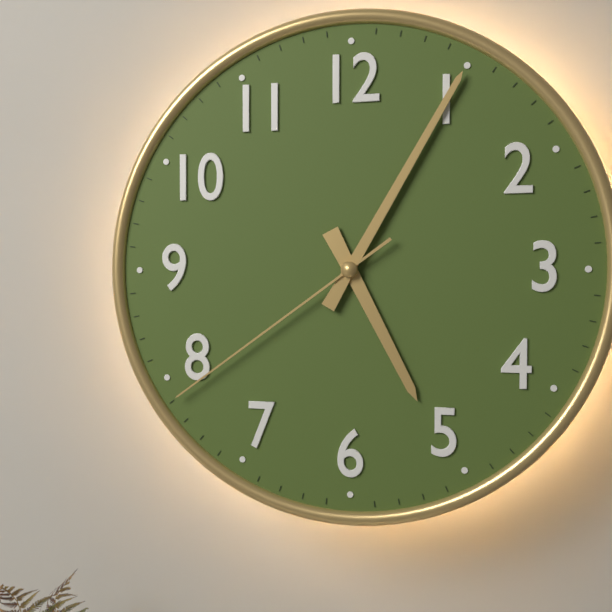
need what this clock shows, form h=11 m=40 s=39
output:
h=5 m=5 s=39
